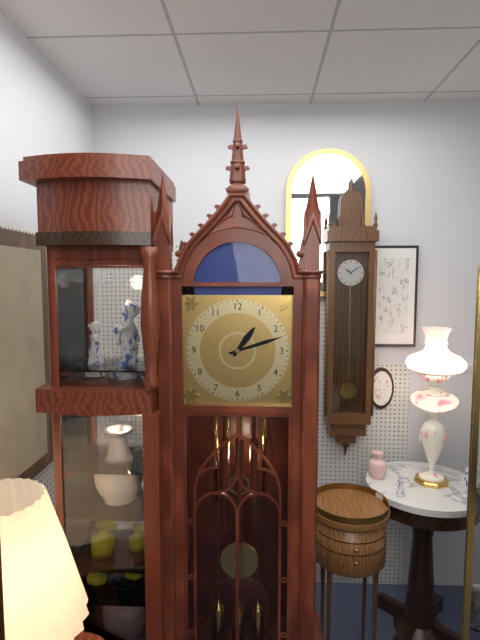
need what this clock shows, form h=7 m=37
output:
h=1 m=12
